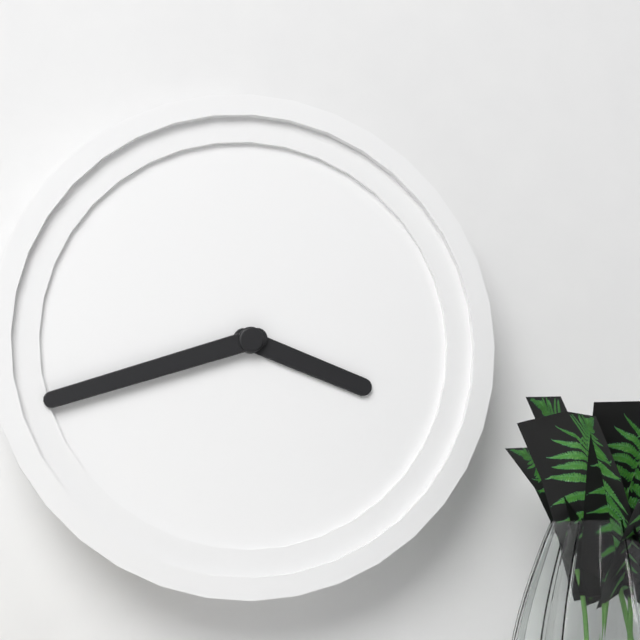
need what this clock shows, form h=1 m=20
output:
h=3 m=42
